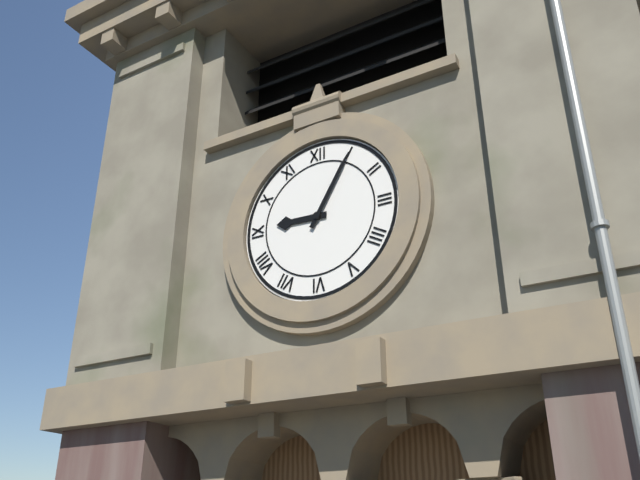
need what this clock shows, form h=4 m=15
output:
h=9 m=5
